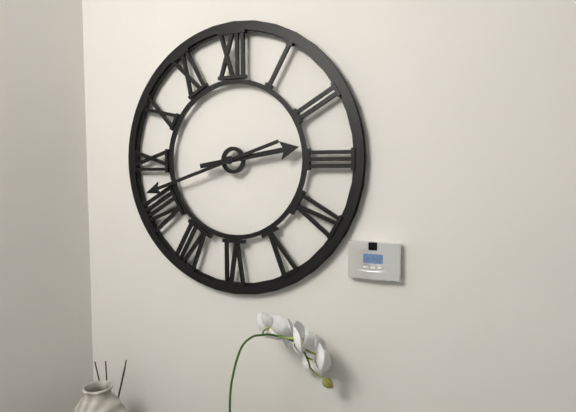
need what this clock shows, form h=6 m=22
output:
h=2 m=42
